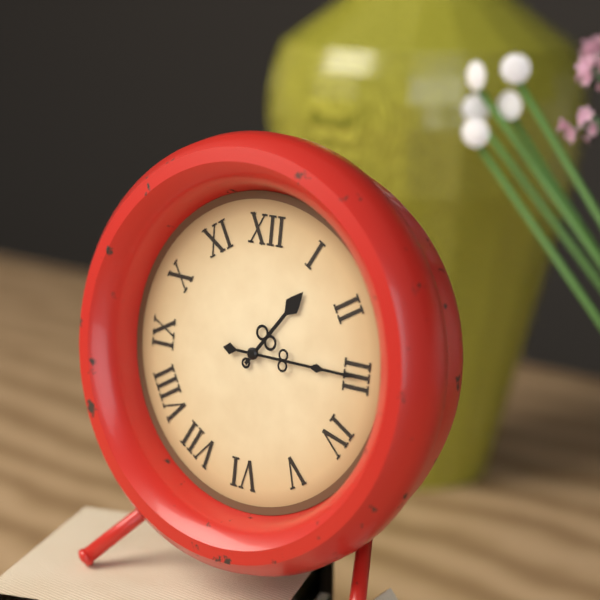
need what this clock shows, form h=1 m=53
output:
h=1 m=15
